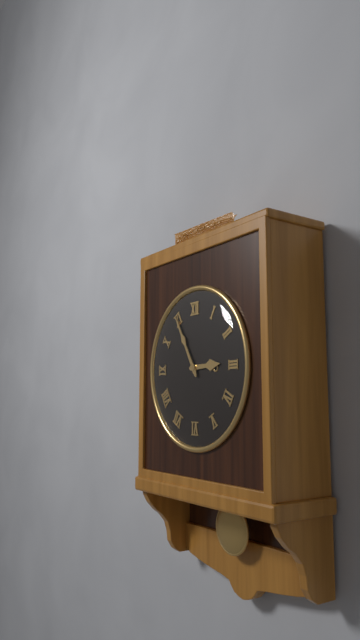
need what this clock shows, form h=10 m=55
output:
h=2 m=55
